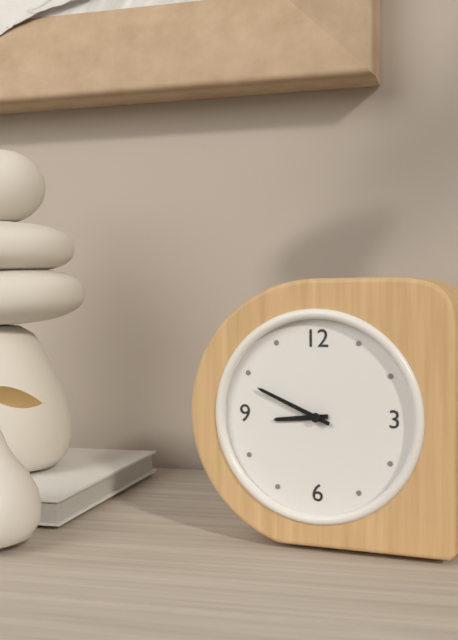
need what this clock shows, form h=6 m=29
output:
h=8 m=49
